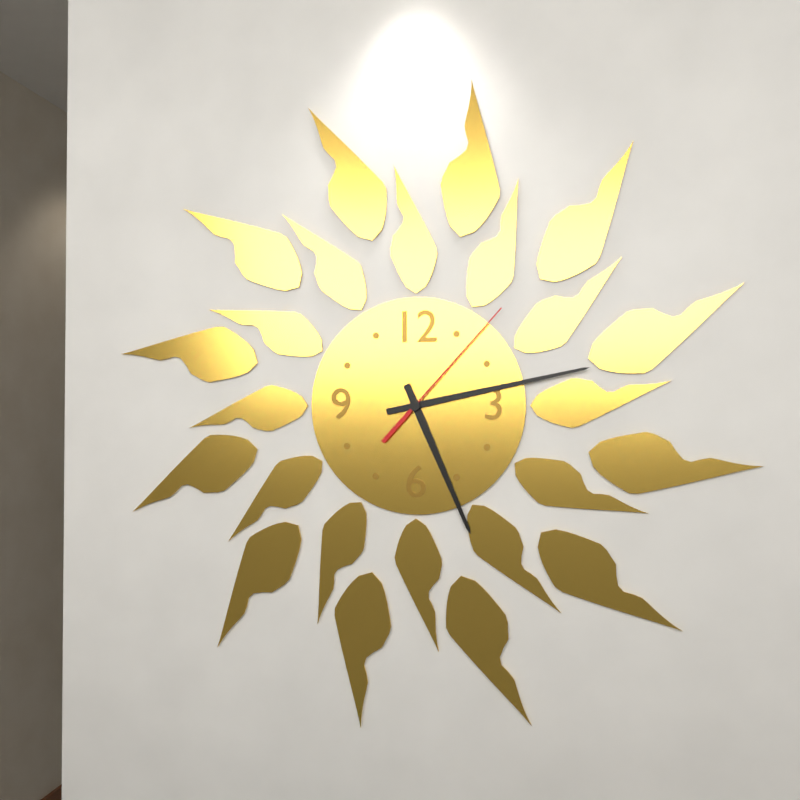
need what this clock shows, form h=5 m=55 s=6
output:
h=5 m=13 s=7
